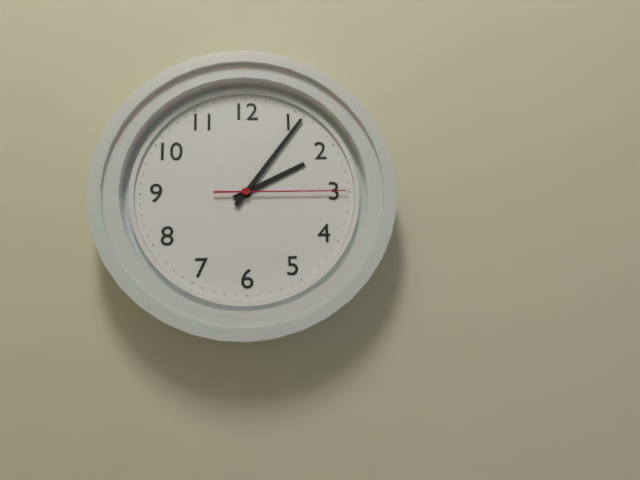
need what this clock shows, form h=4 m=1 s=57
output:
h=2 m=6 s=15
